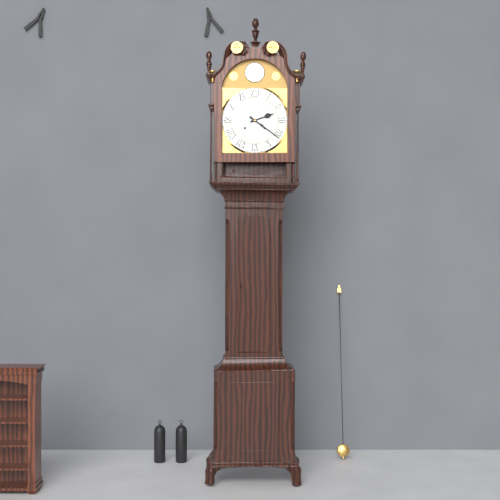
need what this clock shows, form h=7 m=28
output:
h=2 m=21
